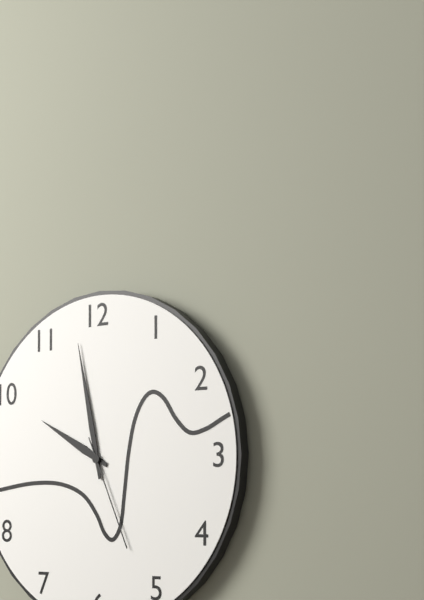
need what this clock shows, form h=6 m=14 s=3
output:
h=9 m=58 s=26
